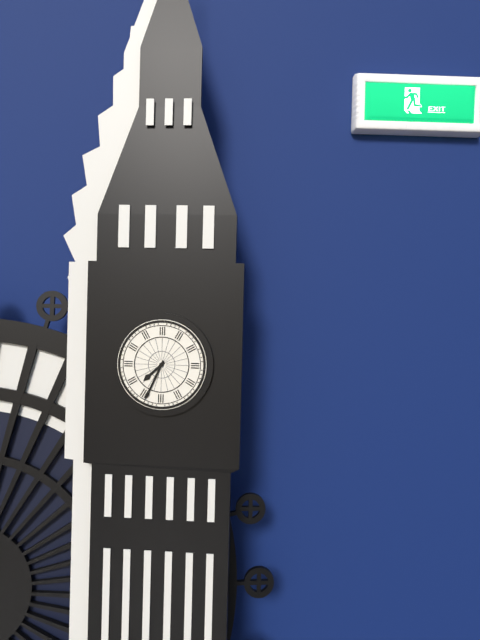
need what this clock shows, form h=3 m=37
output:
h=7 m=34
